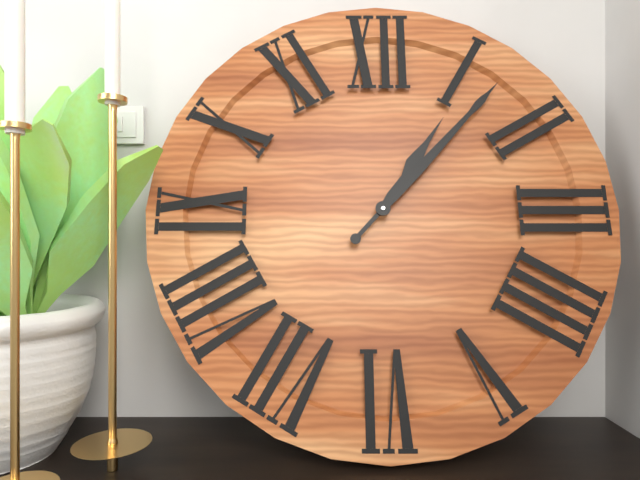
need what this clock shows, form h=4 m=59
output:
h=1 m=7
